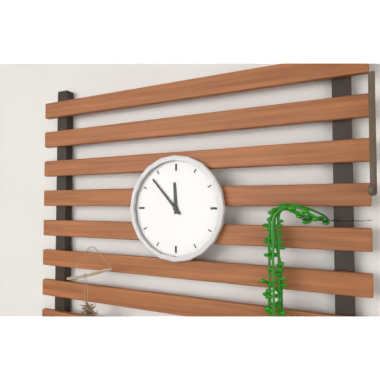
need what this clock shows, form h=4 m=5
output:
h=11 m=53
